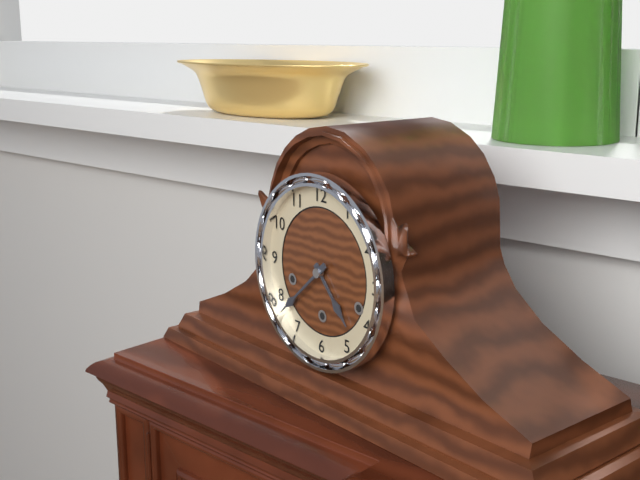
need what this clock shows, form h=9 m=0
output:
h=4 m=38
